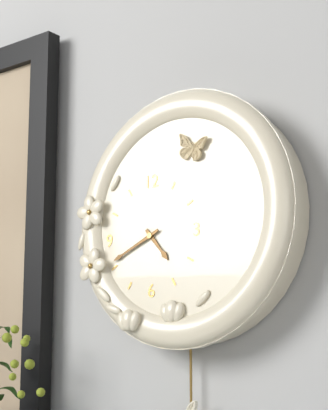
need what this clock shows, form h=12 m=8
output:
h=4 m=41
